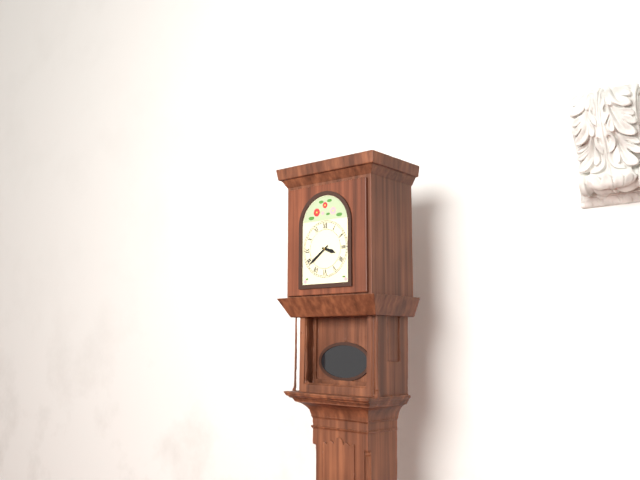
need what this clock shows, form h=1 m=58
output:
h=3 m=39
